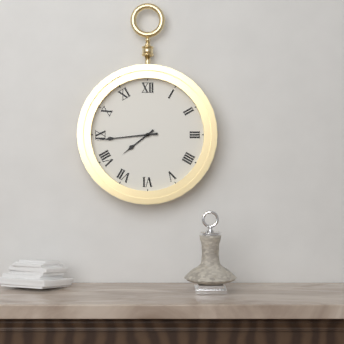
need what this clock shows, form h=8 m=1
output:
h=7 m=44
